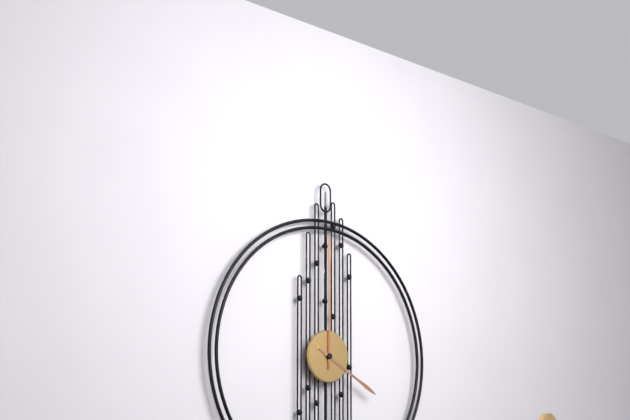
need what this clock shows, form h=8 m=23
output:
h=4 m=0
